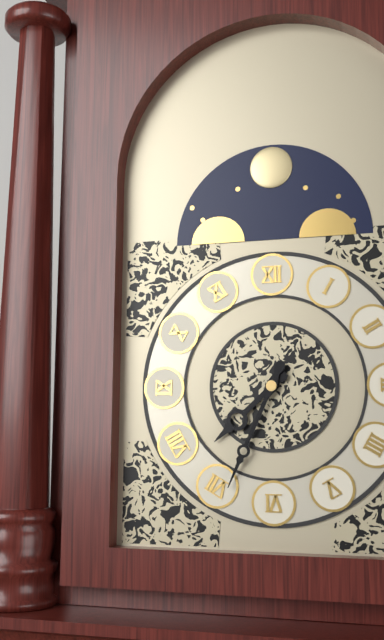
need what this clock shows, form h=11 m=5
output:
h=7 m=34
